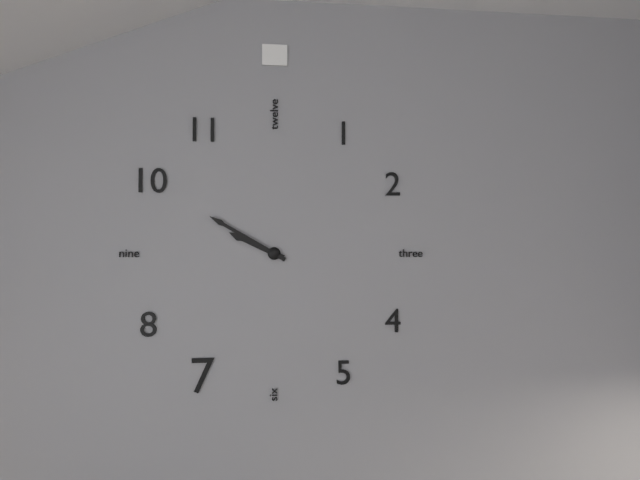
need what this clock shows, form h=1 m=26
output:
h=9 m=50
